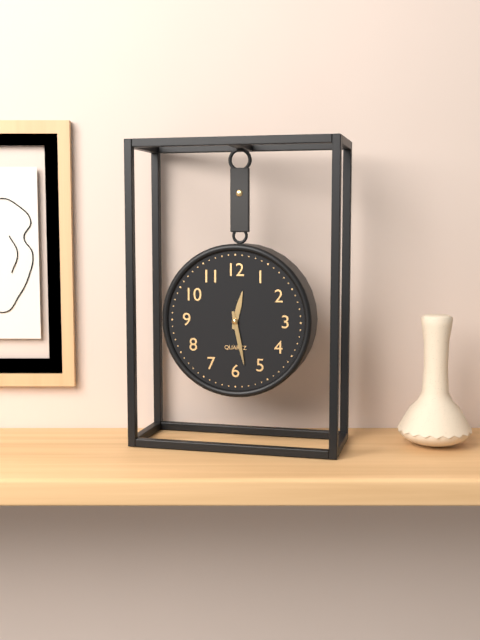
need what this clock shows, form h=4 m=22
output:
h=12 m=28
